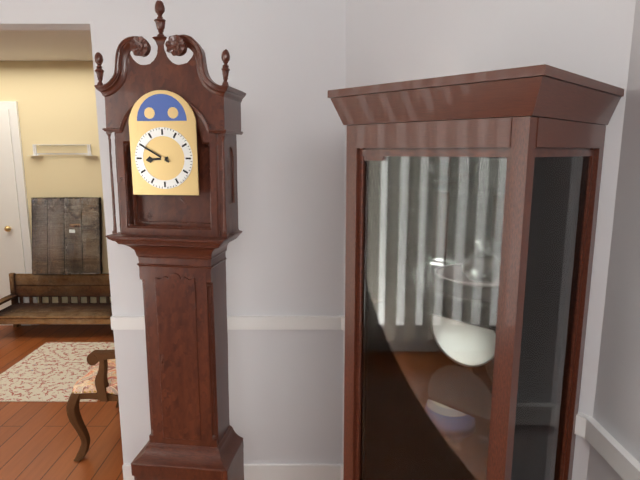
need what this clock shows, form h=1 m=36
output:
h=8 m=50
